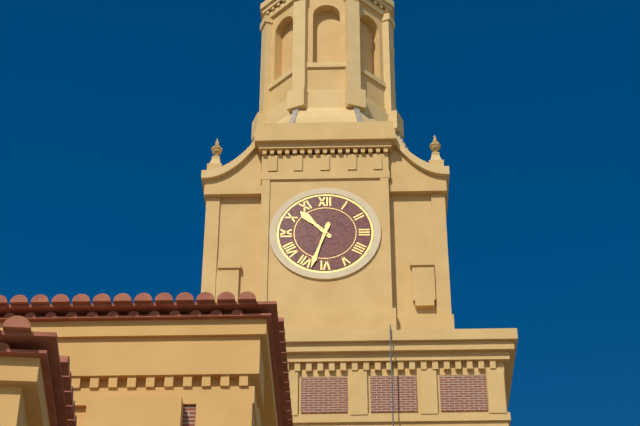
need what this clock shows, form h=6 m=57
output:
h=10 m=33
